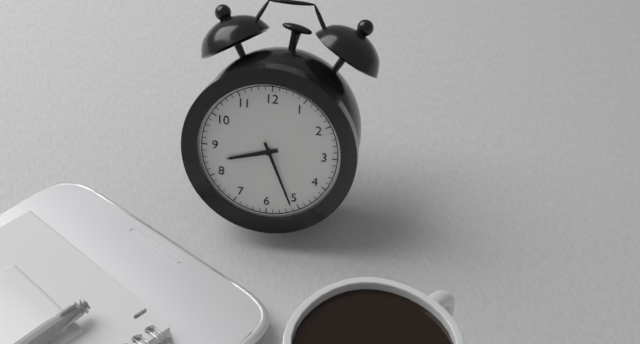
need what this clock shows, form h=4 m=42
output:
h=8 m=26
